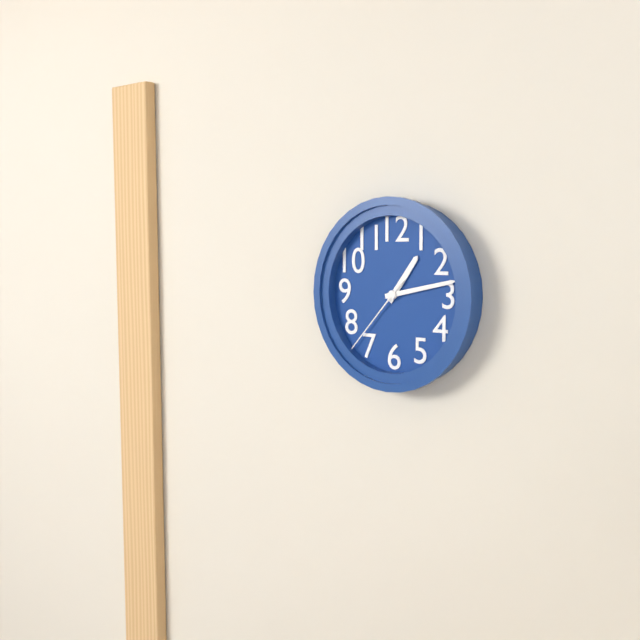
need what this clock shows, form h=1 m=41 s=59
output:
h=1 m=13 s=37
